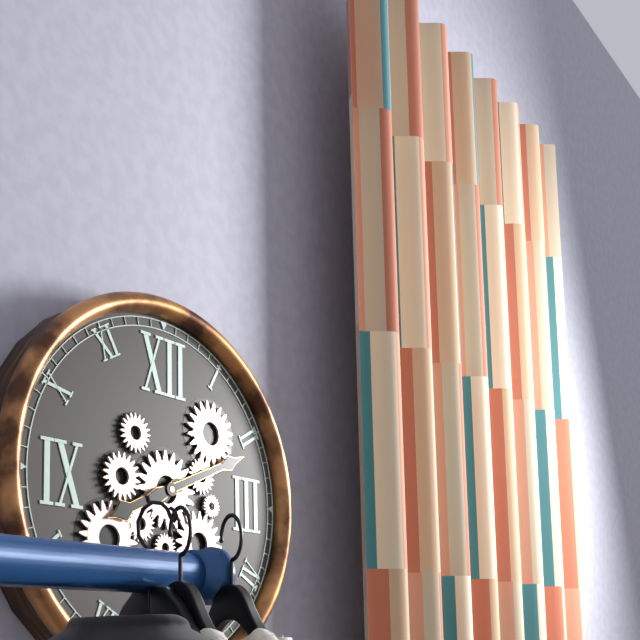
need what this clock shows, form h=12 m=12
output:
h=8 m=11
